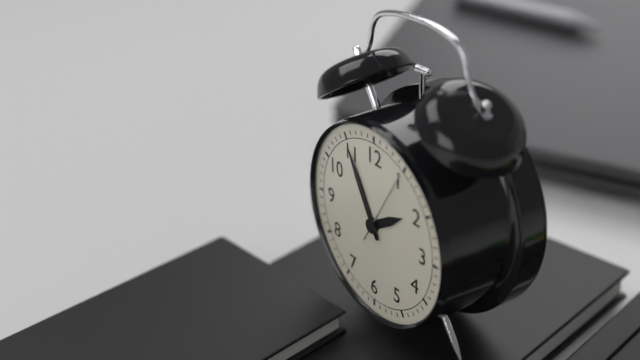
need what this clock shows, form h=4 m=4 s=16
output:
h=1 m=55 s=5
